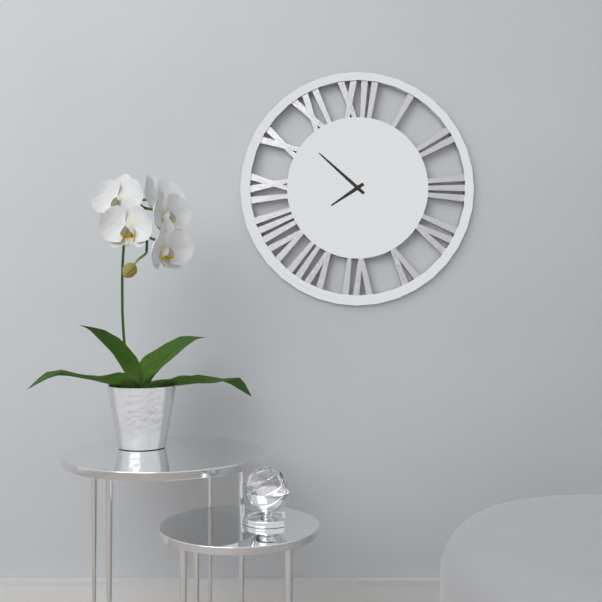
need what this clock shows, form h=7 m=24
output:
h=7 m=52
